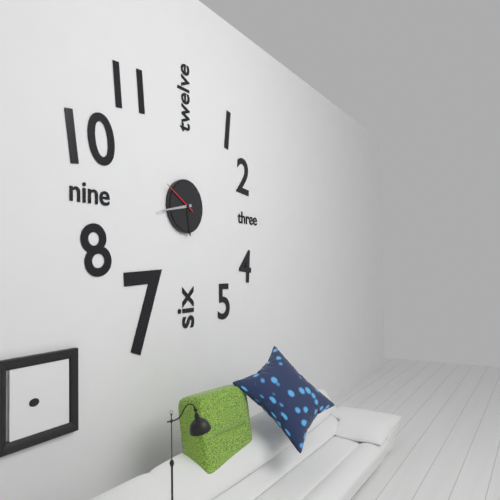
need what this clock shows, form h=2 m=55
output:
h=5 m=43
